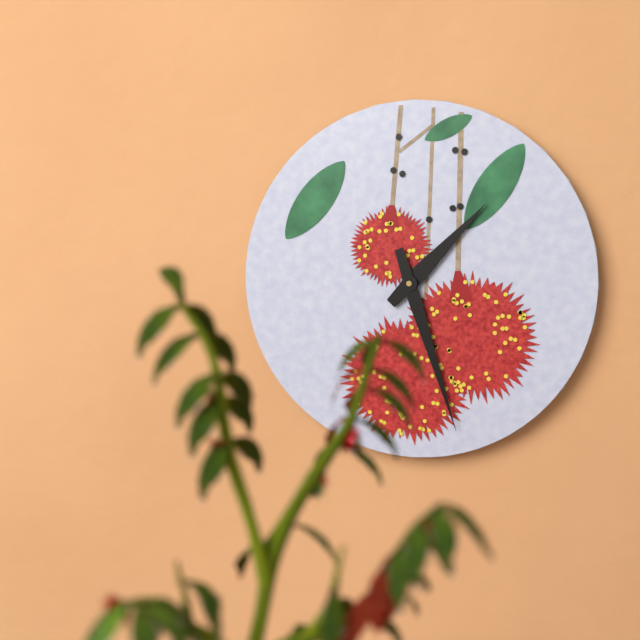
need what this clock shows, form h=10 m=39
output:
h=1 m=27
